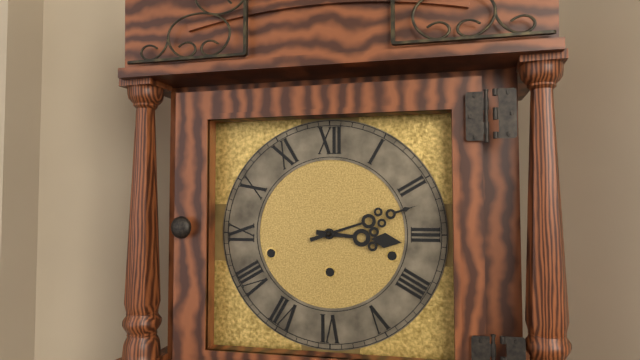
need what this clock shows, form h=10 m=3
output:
h=3 m=12
